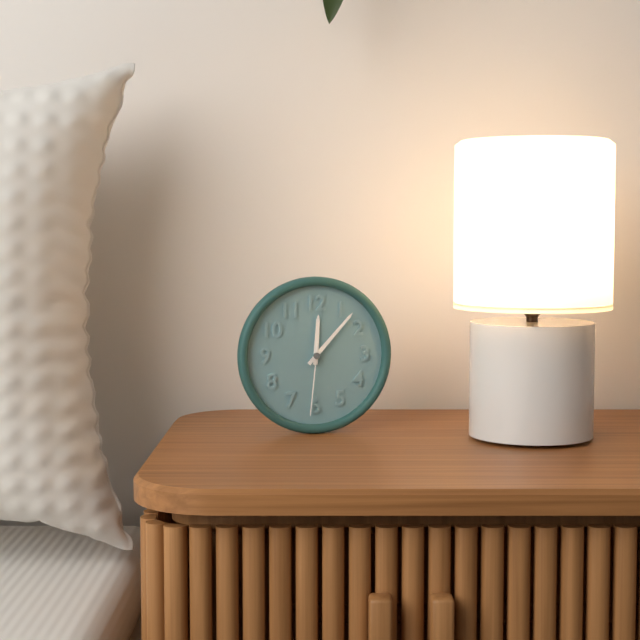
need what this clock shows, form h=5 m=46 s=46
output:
h=12 m=7 s=31
